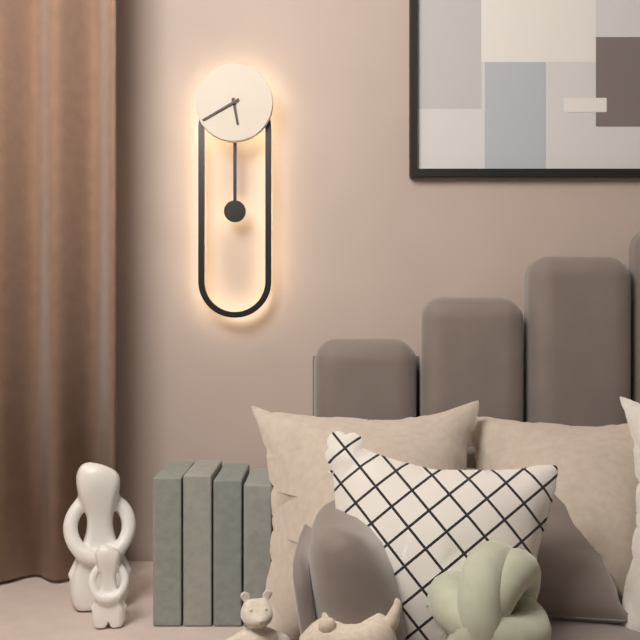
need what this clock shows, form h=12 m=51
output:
h=5 m=40
